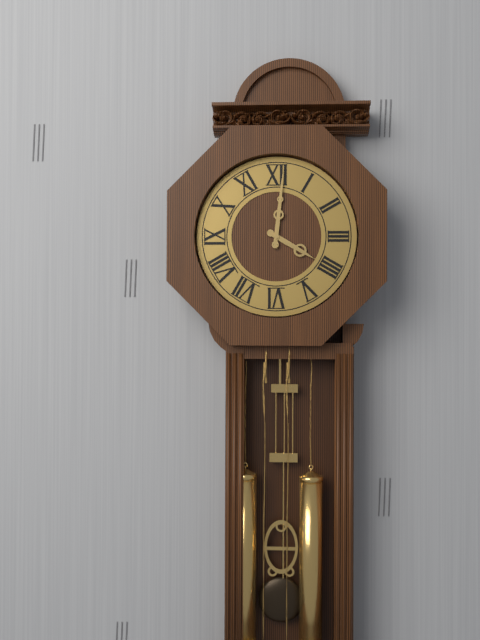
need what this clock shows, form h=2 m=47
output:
h=4 m=1
